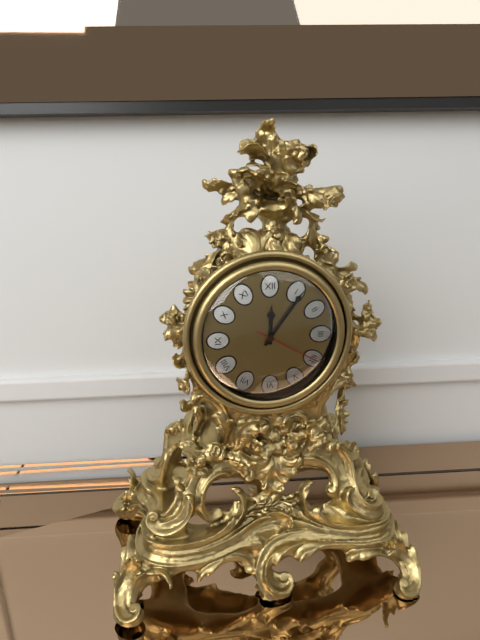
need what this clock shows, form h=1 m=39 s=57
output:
h=12 m=6 s=20
